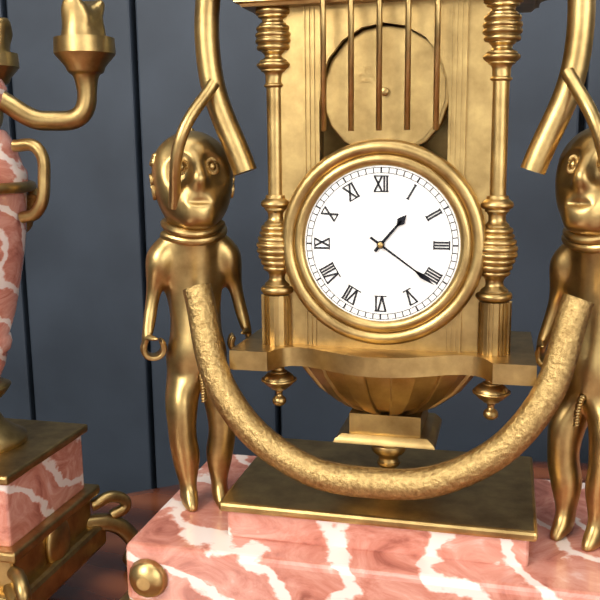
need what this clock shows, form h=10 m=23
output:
h=1 m=21
